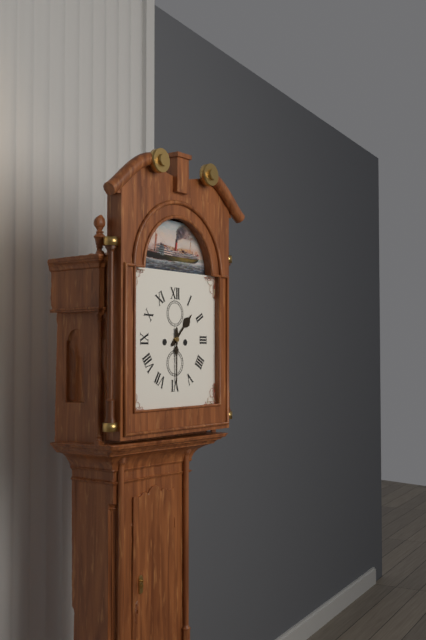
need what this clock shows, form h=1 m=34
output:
h=1 m=30
